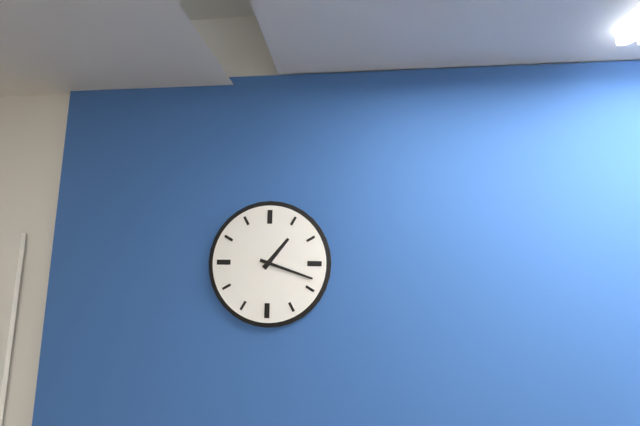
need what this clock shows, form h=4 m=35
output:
h=1 m=18
